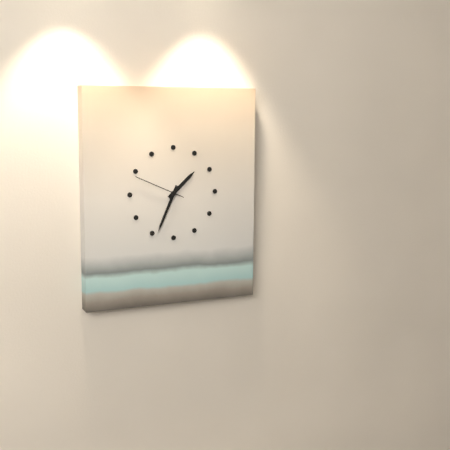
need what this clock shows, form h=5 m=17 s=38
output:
h=1 m=34 s=49
